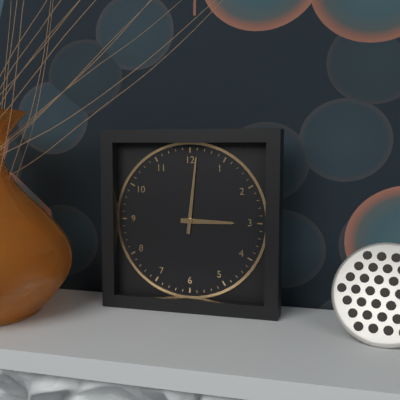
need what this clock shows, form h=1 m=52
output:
h=3 m=1
